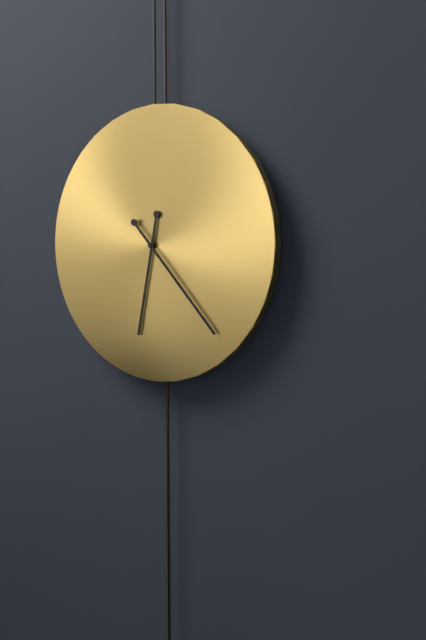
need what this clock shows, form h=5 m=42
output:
h=6 m=23
